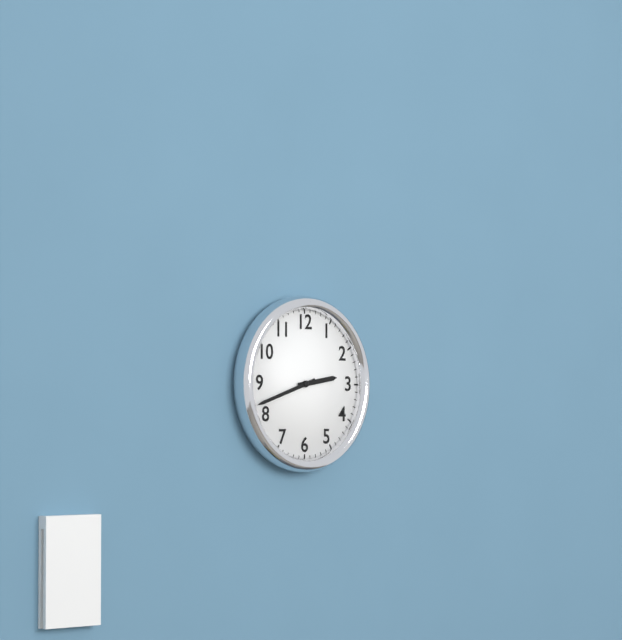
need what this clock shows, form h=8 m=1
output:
h=2 m=42
